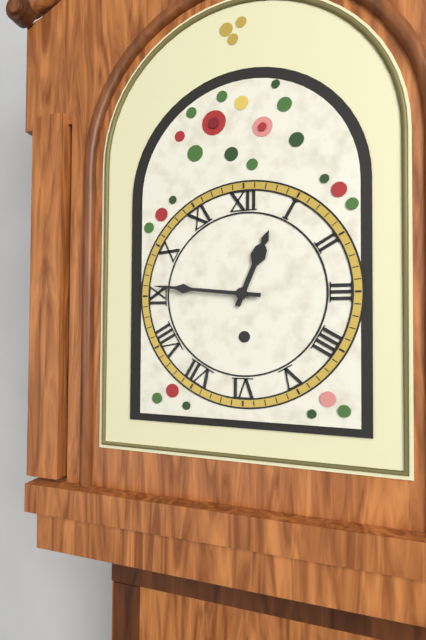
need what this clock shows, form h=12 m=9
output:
h=12 m=46
